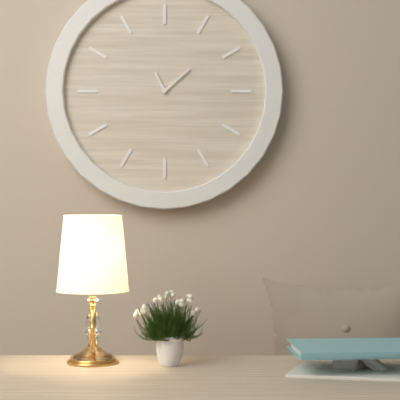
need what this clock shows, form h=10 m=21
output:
h=11 m=8
